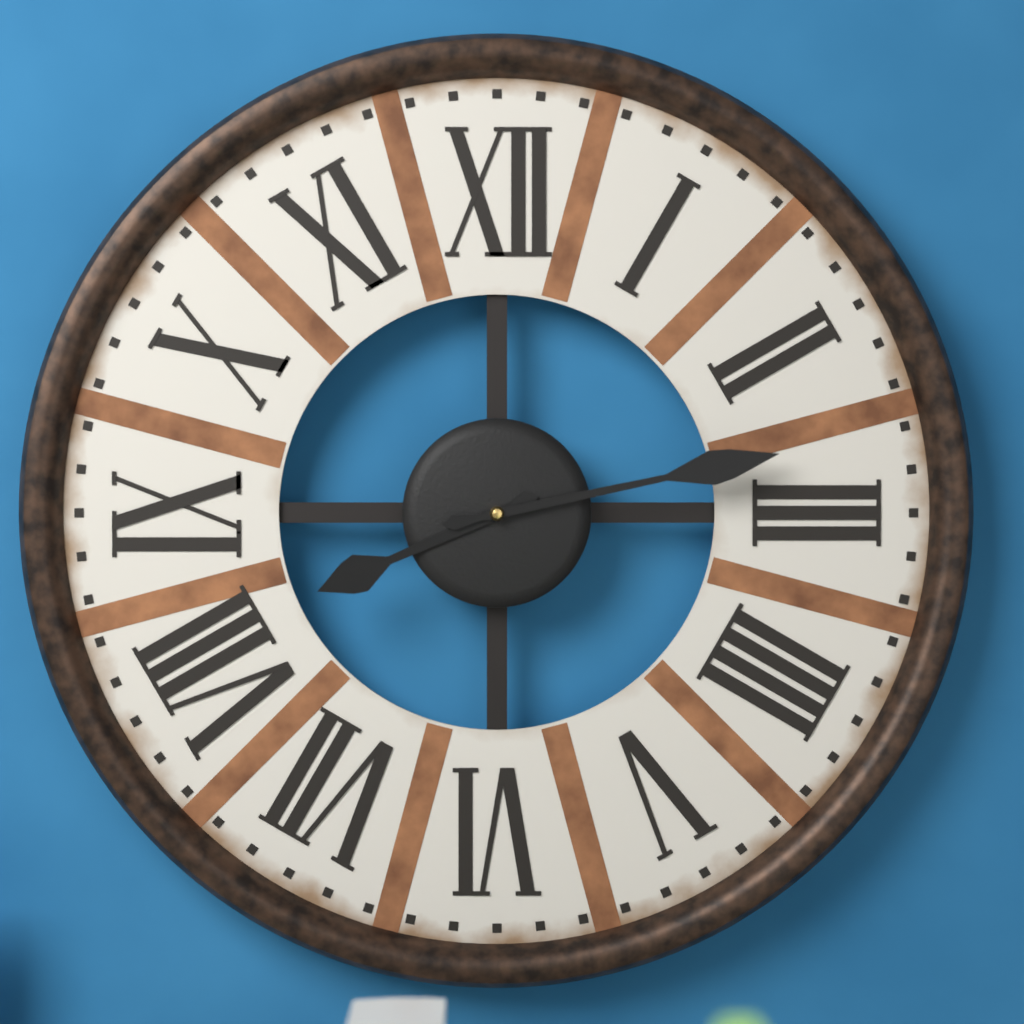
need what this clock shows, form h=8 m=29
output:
h=8 m=13
